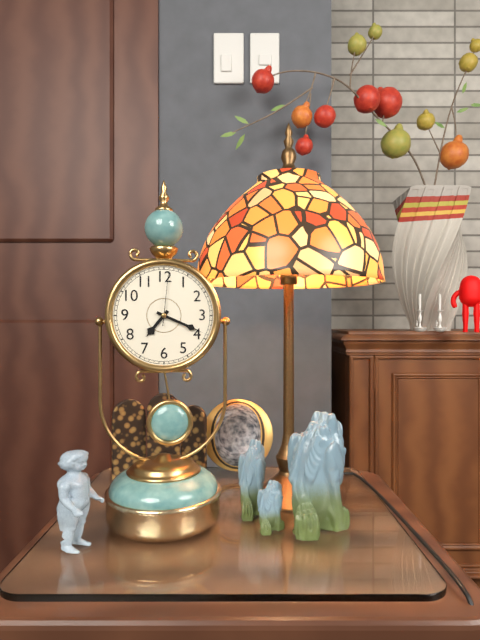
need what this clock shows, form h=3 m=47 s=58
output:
h=7 m=19 s=1
